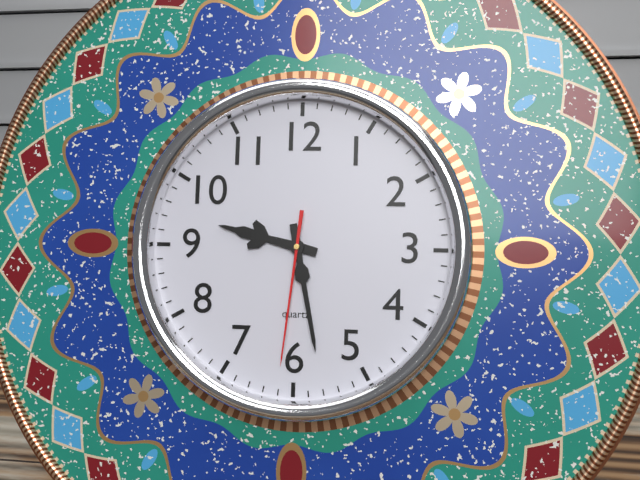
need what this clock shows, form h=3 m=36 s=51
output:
h=9 m=28 s=31
